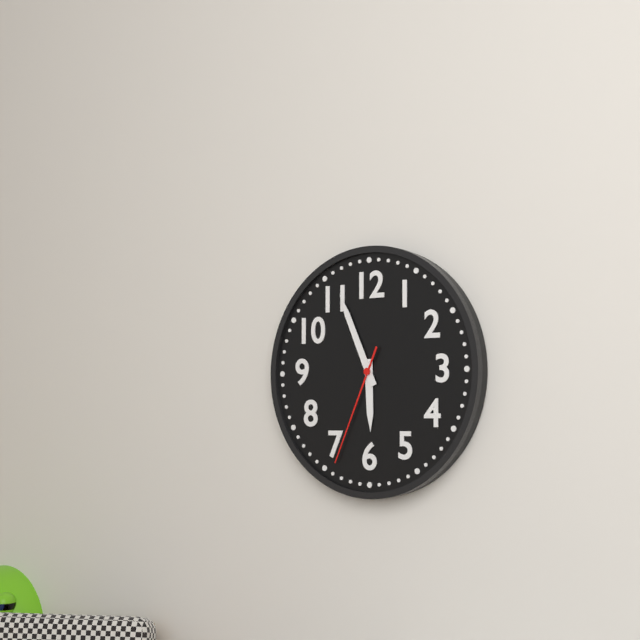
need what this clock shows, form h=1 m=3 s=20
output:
h=5 m=56 s=34
